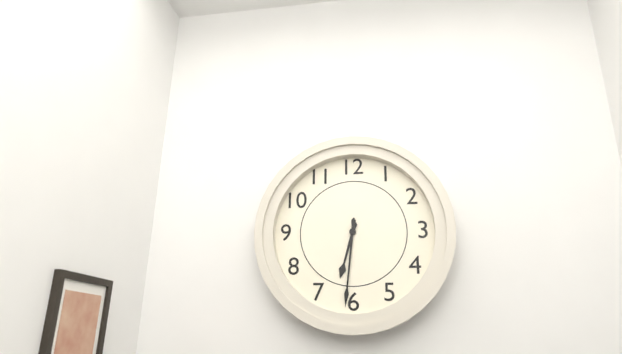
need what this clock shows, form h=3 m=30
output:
h=6 m=31
